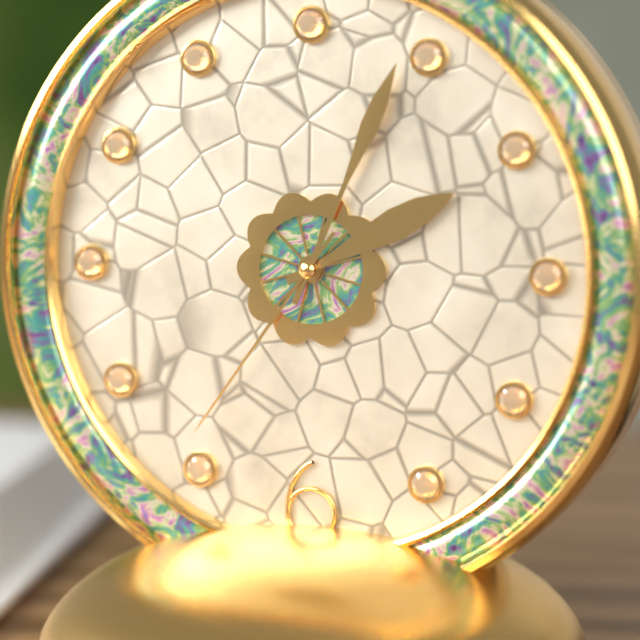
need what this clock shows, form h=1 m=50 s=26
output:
h=2 m=4 s=36
